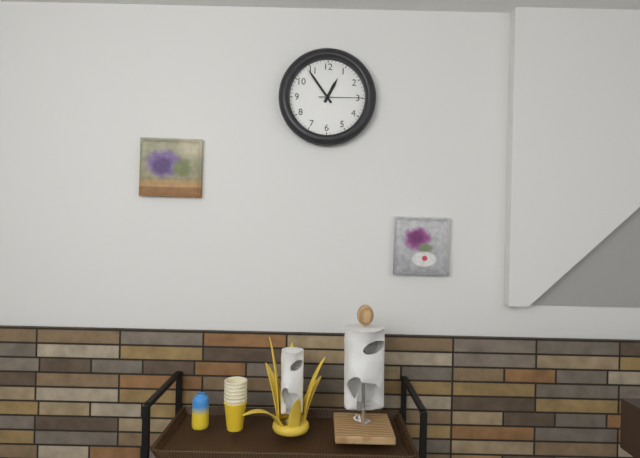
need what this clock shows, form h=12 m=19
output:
h=12 m=54
